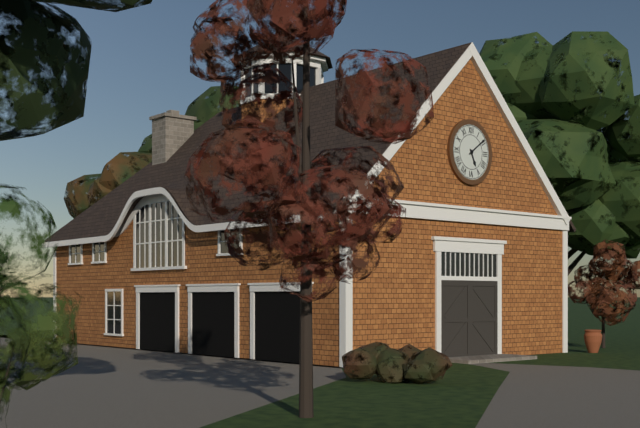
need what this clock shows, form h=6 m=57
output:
h=5 m=9
